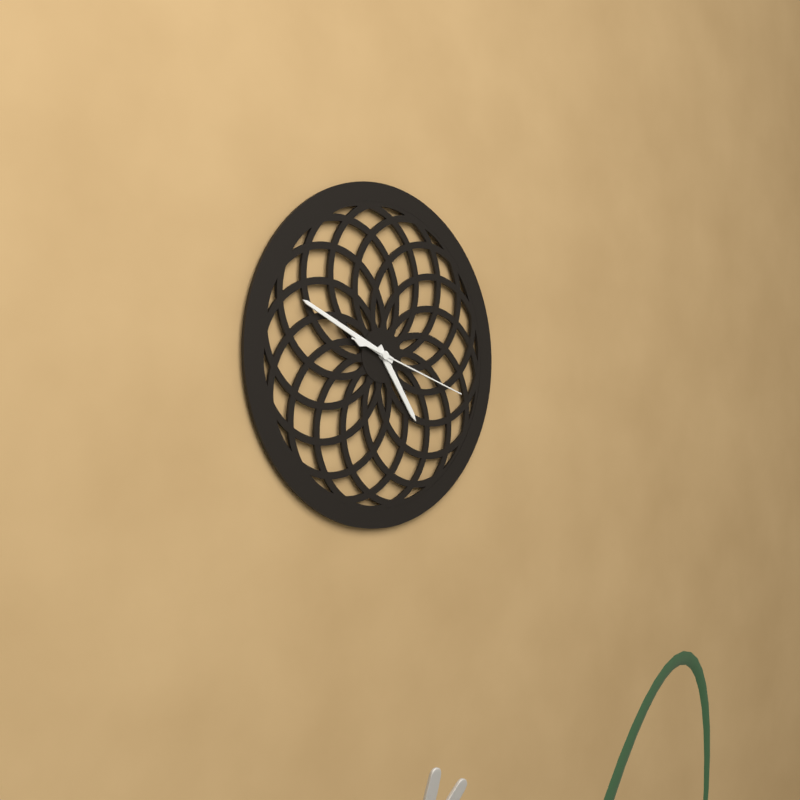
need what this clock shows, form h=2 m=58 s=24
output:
h=4 m=49 s=18
